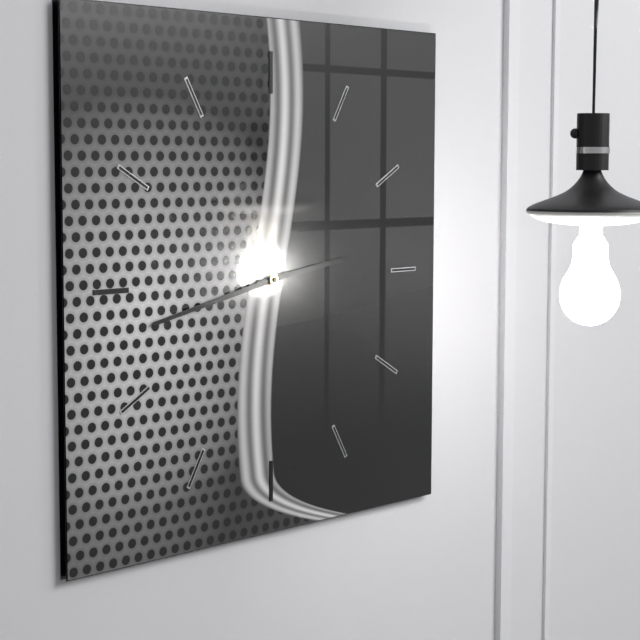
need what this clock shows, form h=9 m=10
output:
h=2 m=43
